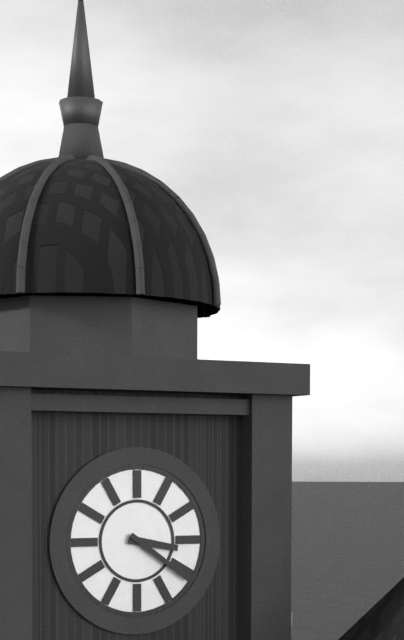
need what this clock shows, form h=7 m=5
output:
h=3 m=21
